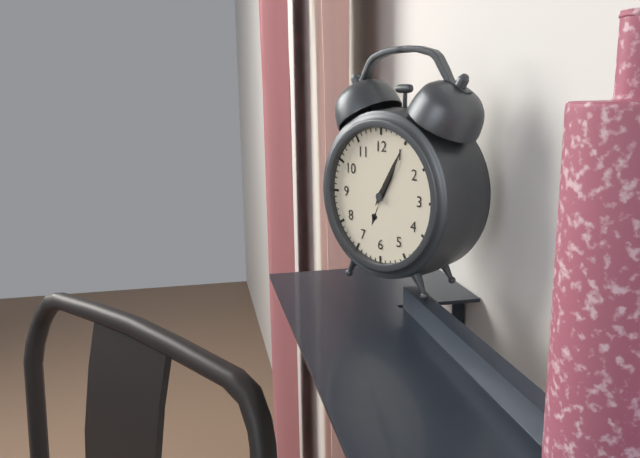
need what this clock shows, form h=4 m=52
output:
h=1 m=5
